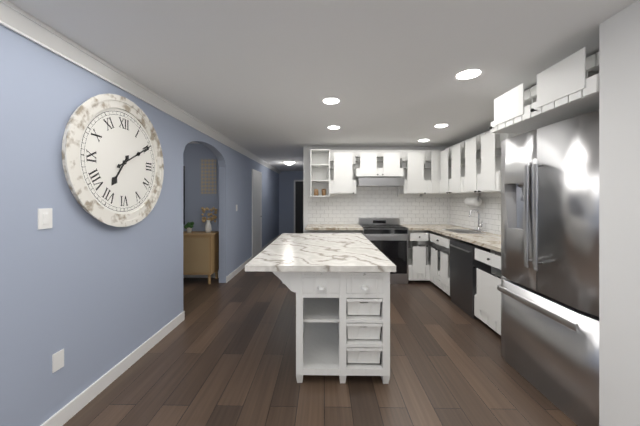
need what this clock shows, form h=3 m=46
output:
h=7 m=10
